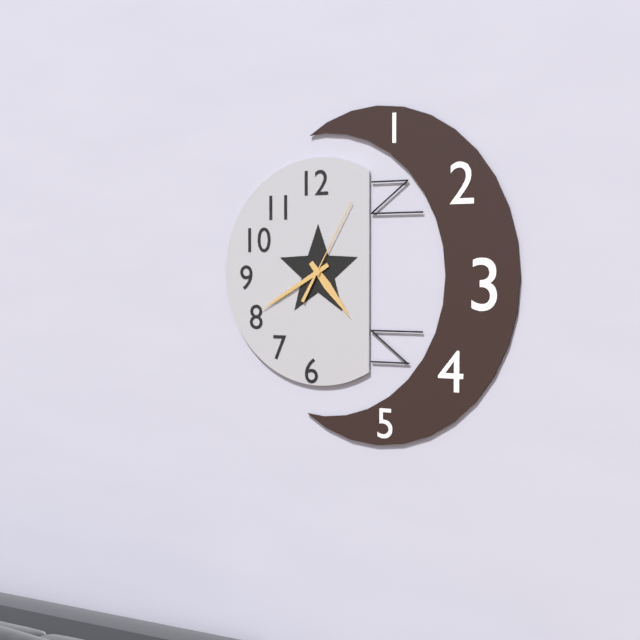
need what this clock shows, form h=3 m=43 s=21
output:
h=4 m=40 s=5
